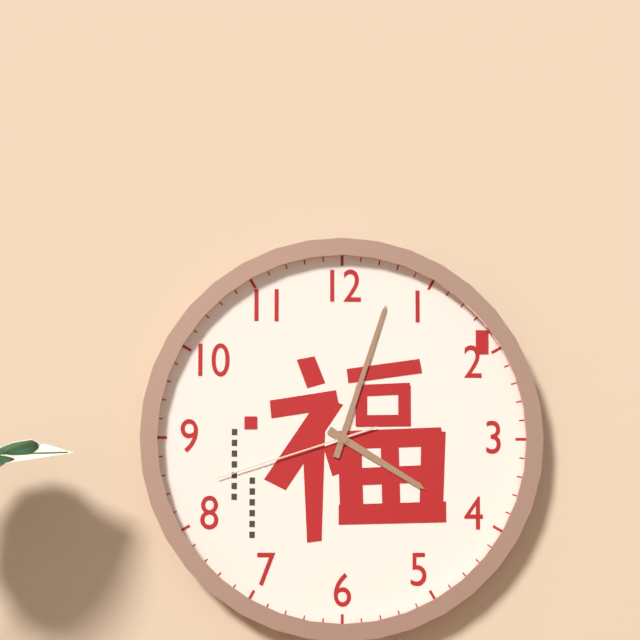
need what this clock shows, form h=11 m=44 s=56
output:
h=4 m=3 s=42
